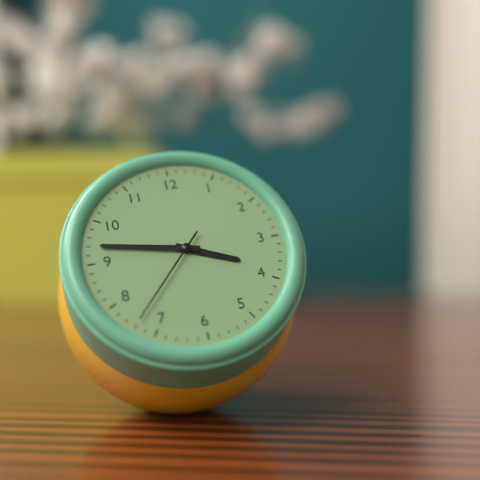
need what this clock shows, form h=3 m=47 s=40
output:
h=3 m=47 s=37
